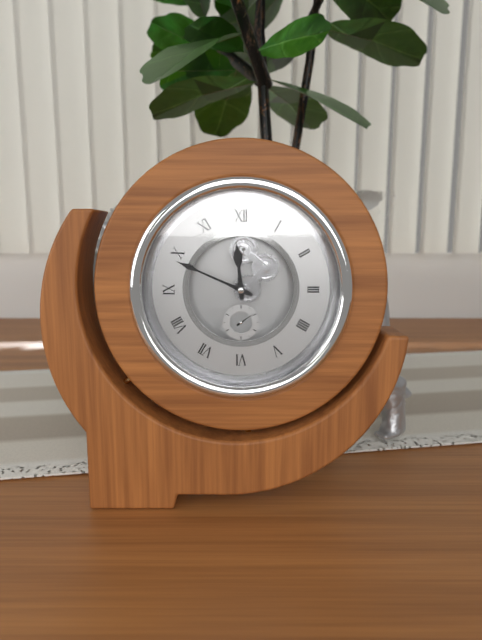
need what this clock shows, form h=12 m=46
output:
h=11 m=49
